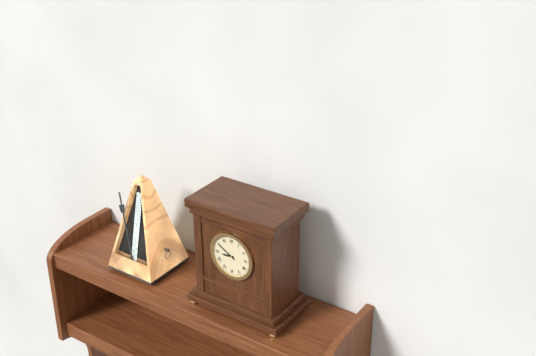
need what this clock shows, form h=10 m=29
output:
h=8 m=50
